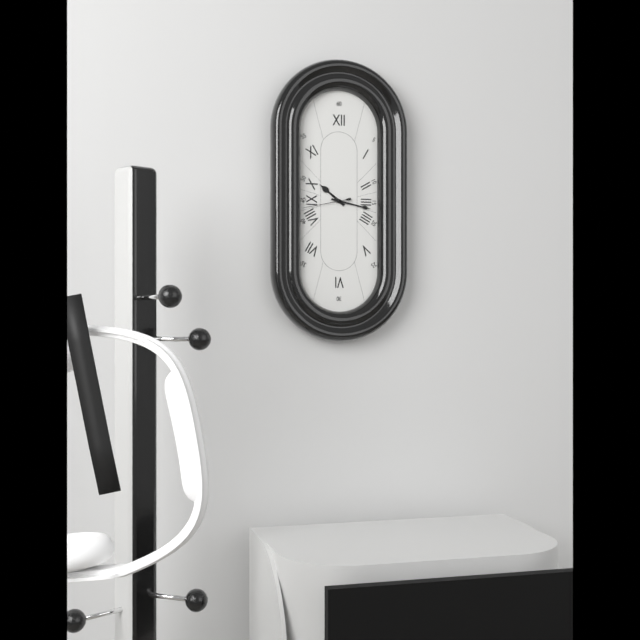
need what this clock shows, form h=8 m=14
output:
h=10 m=17
